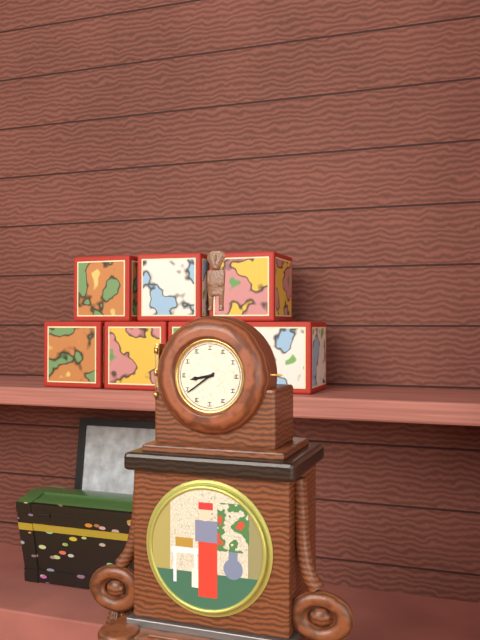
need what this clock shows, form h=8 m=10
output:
h=8 m=39
